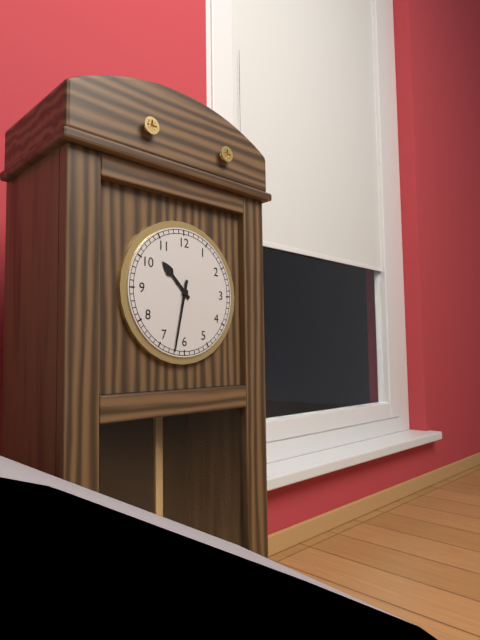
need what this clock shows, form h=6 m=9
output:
h=10 m=32
